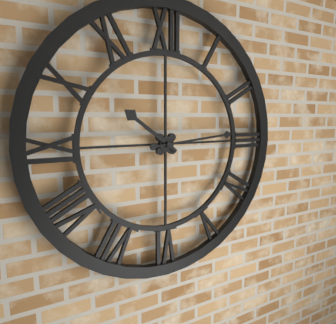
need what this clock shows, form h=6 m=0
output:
h=10 m=14
